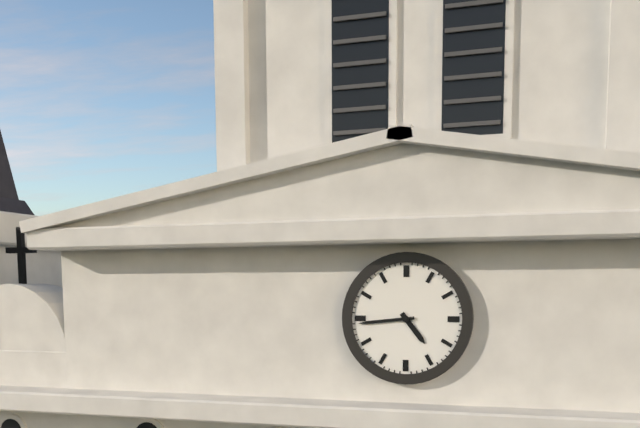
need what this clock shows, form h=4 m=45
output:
h=4 m=44
